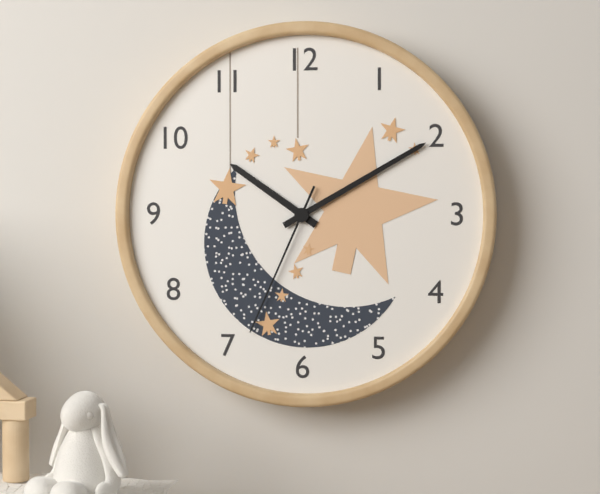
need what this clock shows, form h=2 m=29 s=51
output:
h=10 m=10 s=34
